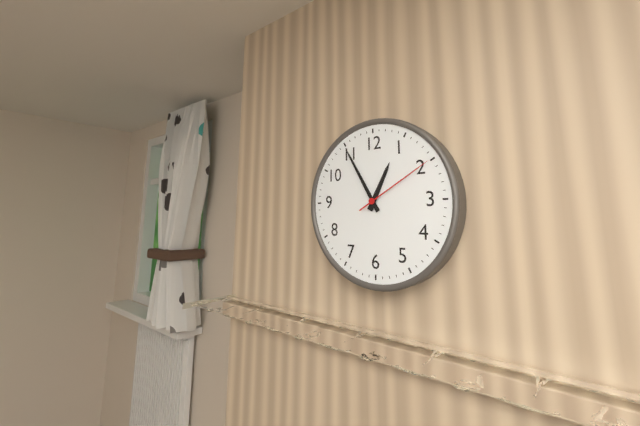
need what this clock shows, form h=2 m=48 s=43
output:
h=12 m=55 s=10
